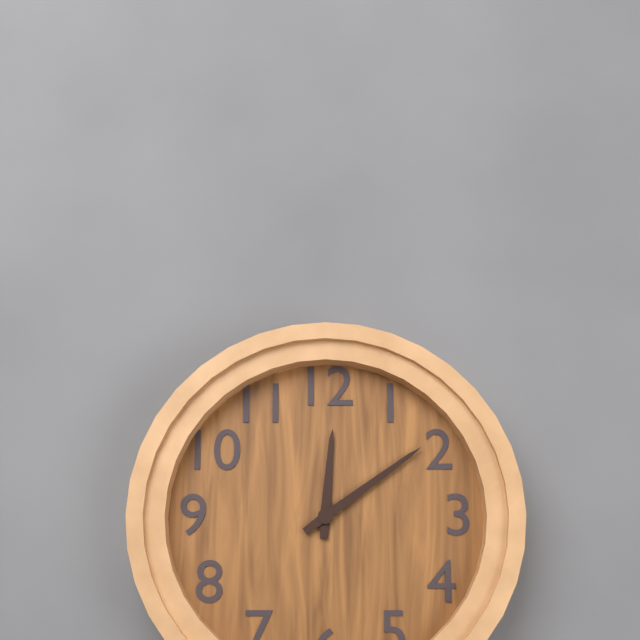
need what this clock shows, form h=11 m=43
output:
h=12 m=9
